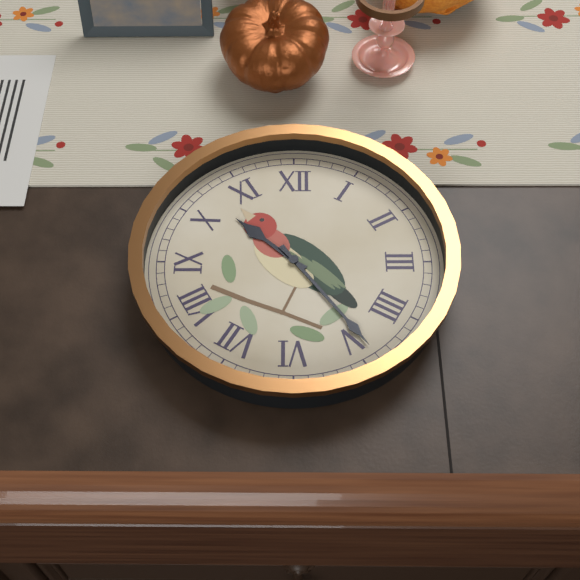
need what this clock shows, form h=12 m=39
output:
h=10 m=24
